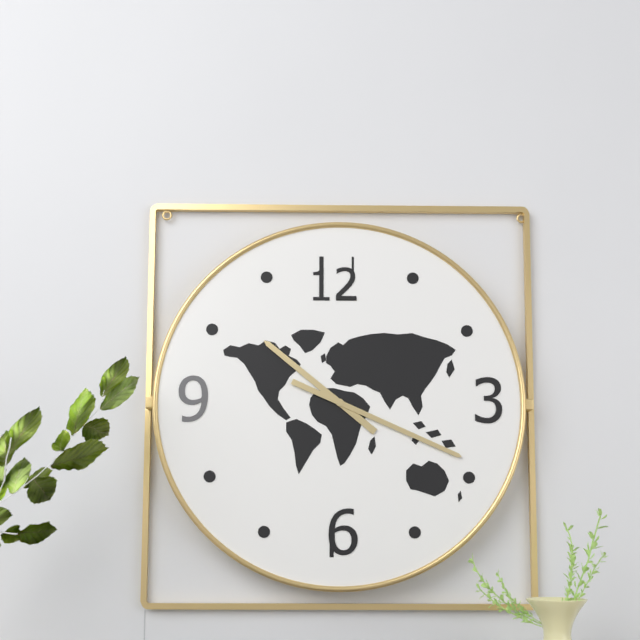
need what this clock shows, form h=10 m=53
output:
h=10 m=19
